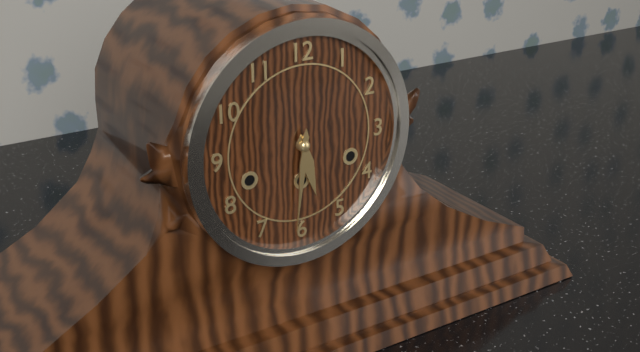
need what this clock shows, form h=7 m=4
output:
h=5 m=31
